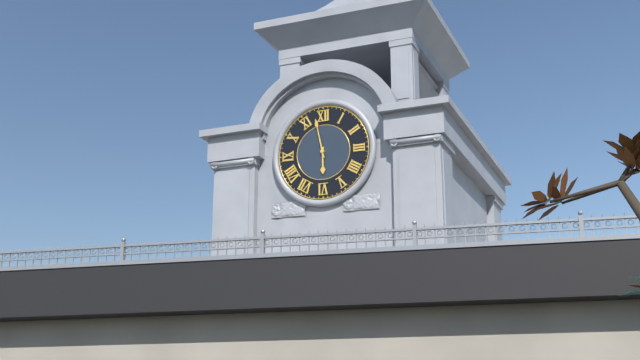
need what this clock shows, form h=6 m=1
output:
h=5 m=58
